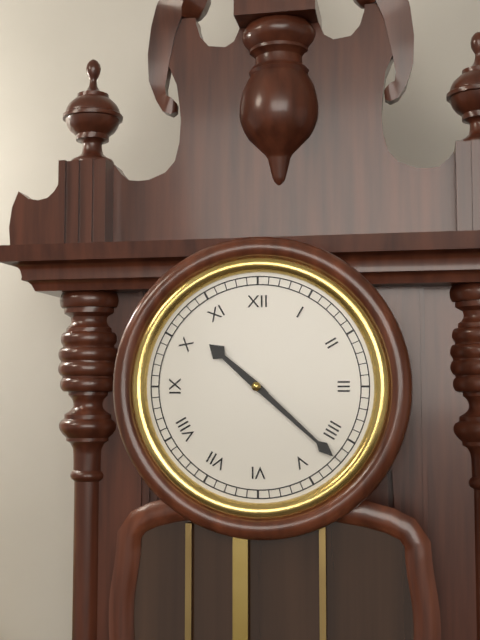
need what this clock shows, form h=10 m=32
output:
h=10 m=22
